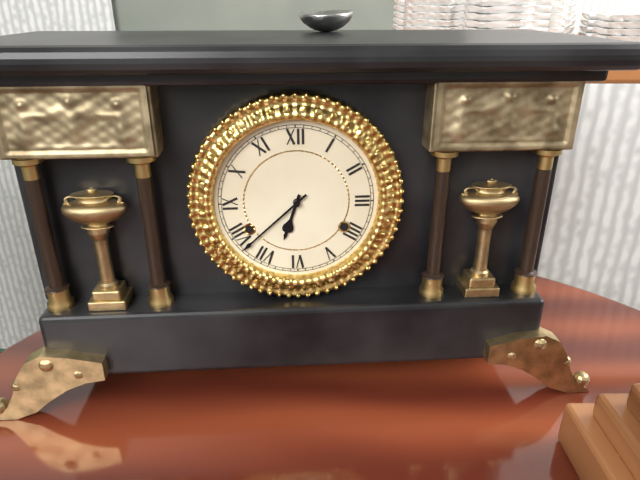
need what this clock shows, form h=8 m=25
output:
h=6 m=38
